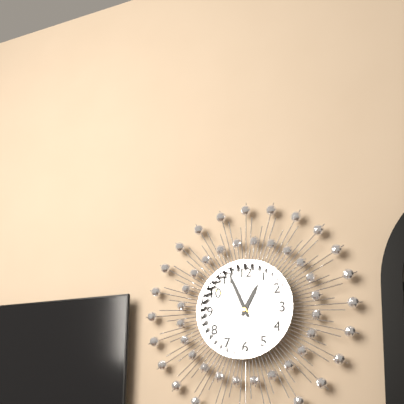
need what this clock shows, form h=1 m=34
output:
h=12 m=56
